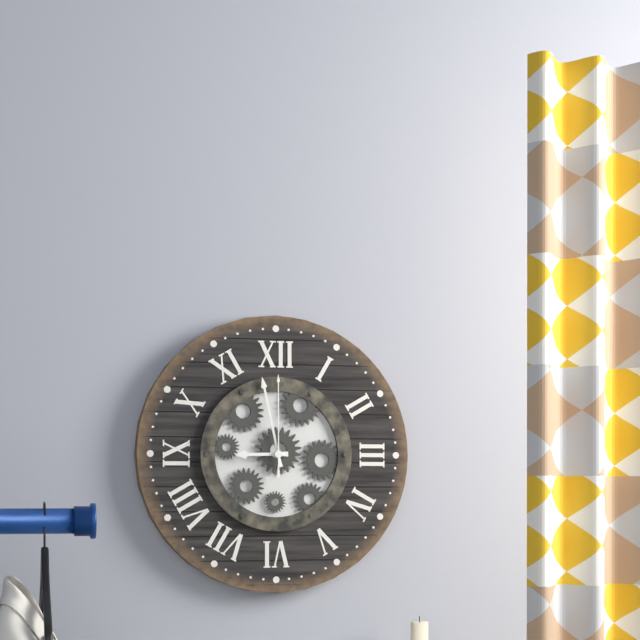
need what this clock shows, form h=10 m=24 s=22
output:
h=8 m=58 s=0
